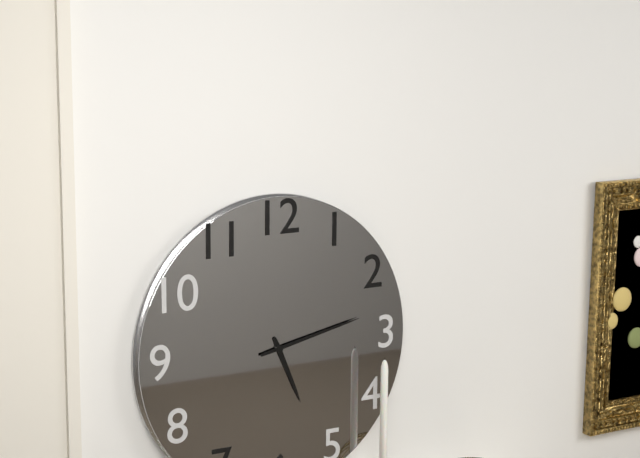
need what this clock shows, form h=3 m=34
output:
h=5 m=13
